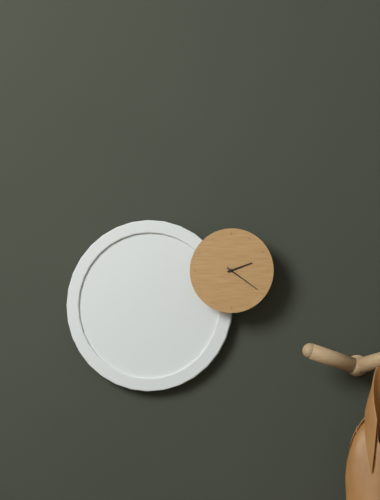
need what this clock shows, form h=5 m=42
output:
h=2 m=21
